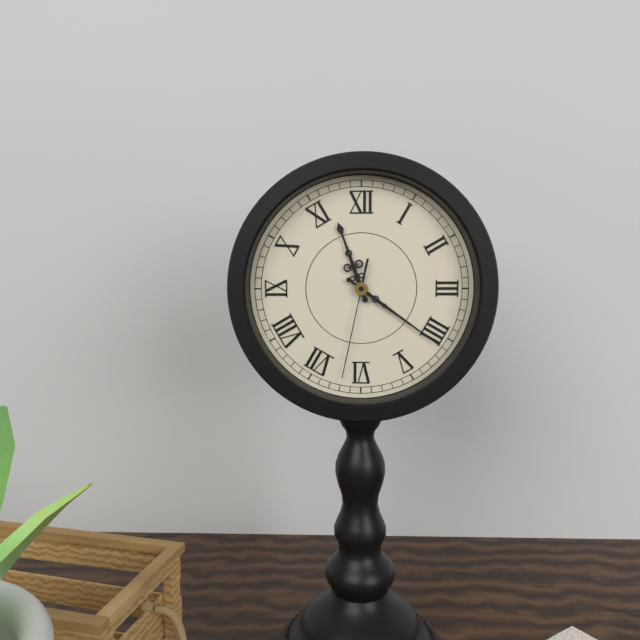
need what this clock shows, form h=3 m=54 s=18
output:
h=11 m=21 s=32
